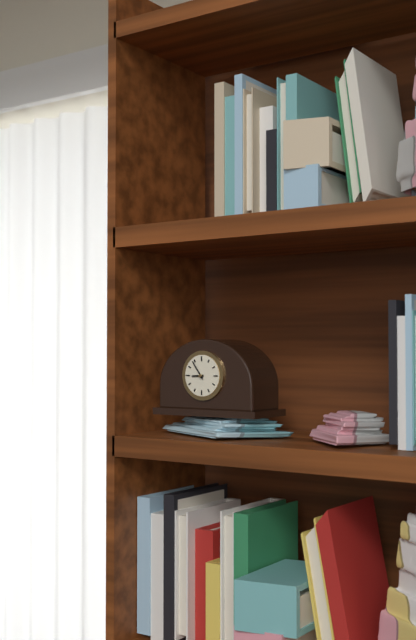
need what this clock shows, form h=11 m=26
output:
h=8 m=54
